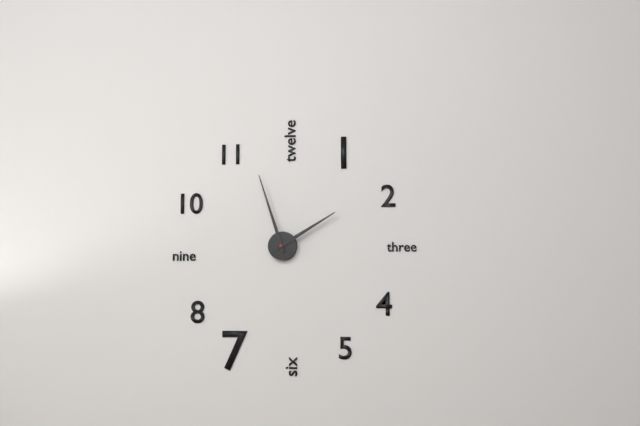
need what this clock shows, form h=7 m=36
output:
h=1 m=57
